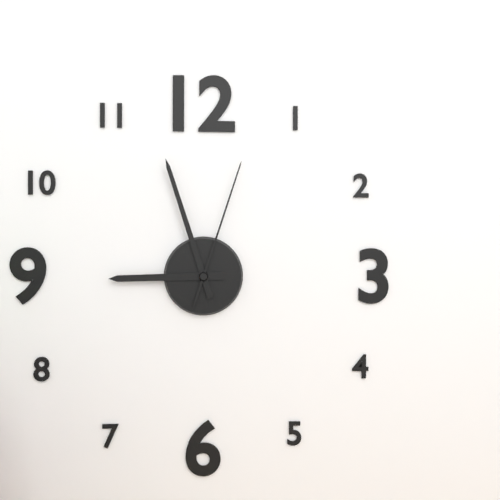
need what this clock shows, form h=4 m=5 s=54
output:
h=8 m=57 s=3
